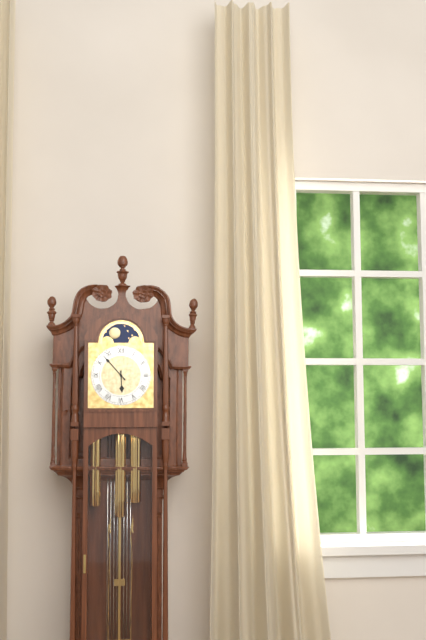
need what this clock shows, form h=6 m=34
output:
h=5 m=53
